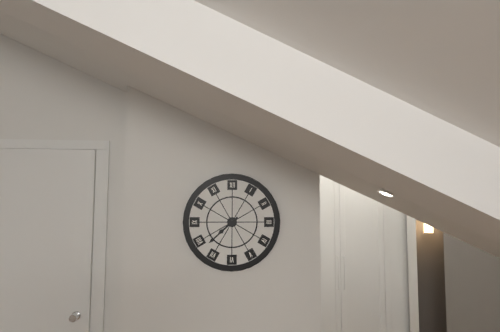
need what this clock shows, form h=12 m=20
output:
h=7 m=38
